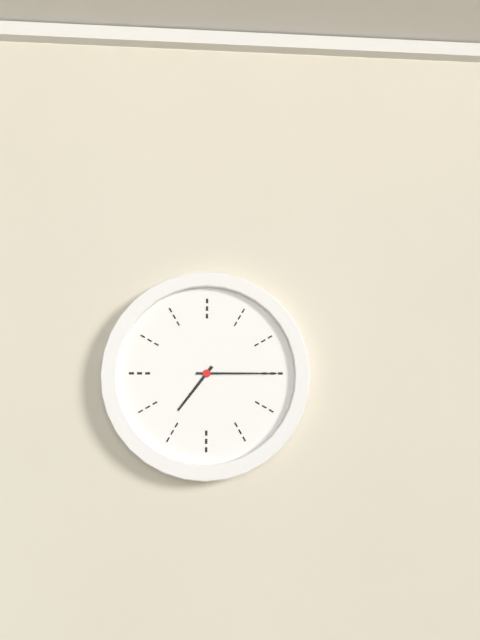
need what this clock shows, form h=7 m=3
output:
h=7 m=15
